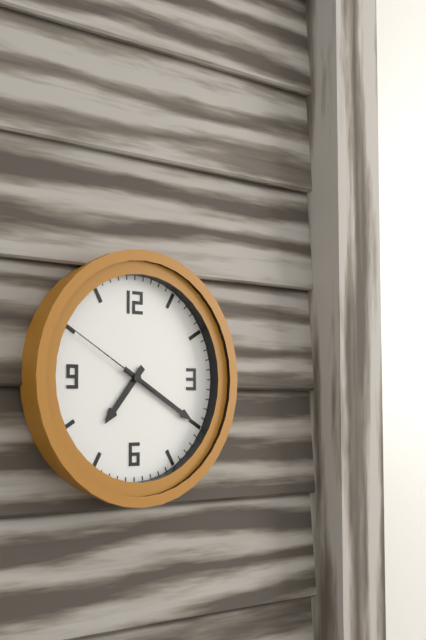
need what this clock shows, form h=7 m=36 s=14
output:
h=7 m=20 s=50
